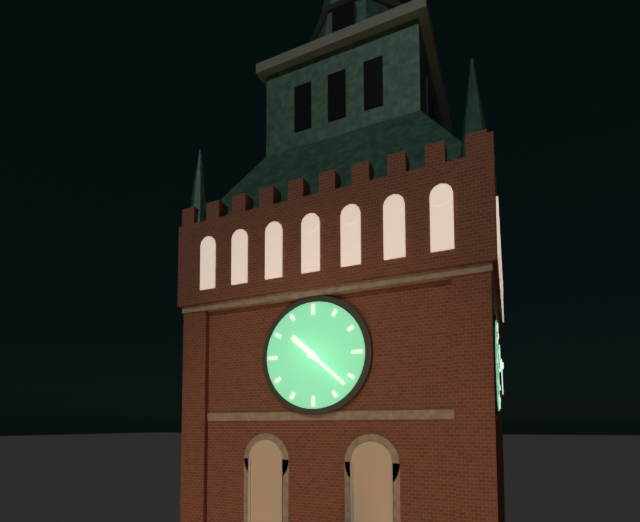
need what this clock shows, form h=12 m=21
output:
h=10 m=22
